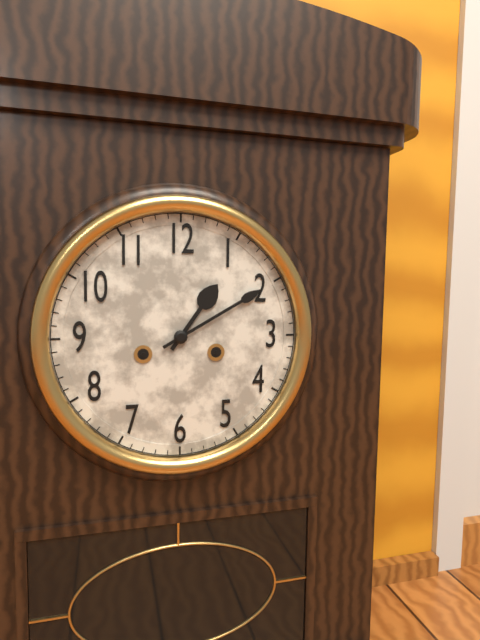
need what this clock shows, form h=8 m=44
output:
h=1 m=10
